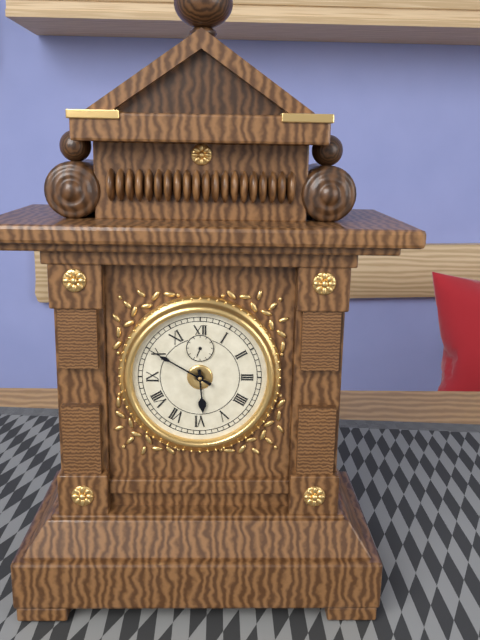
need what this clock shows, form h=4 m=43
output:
h=5 m=50
